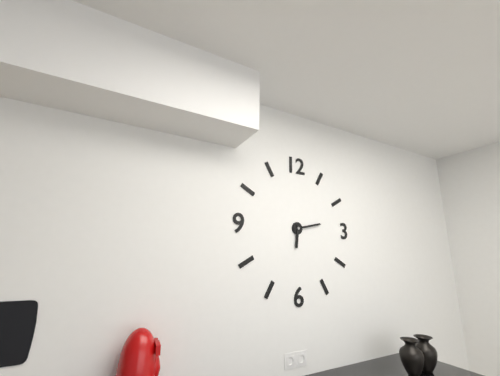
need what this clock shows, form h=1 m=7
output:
h=6 m=13
